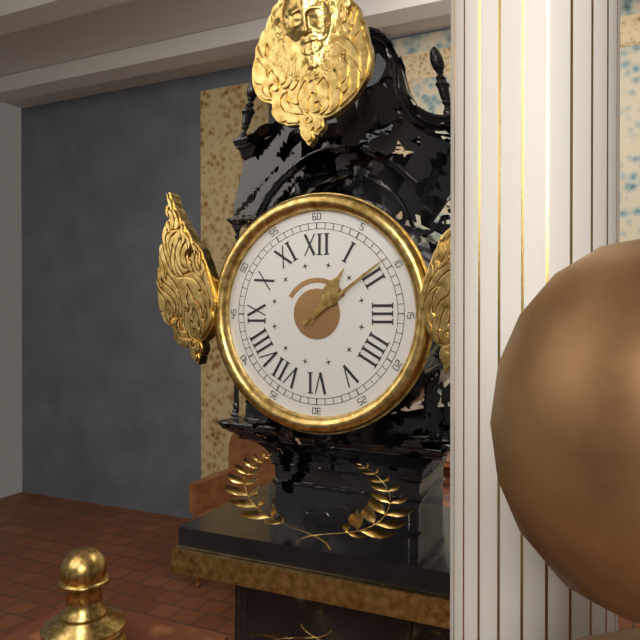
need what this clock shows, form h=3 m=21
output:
h=1 m=9
